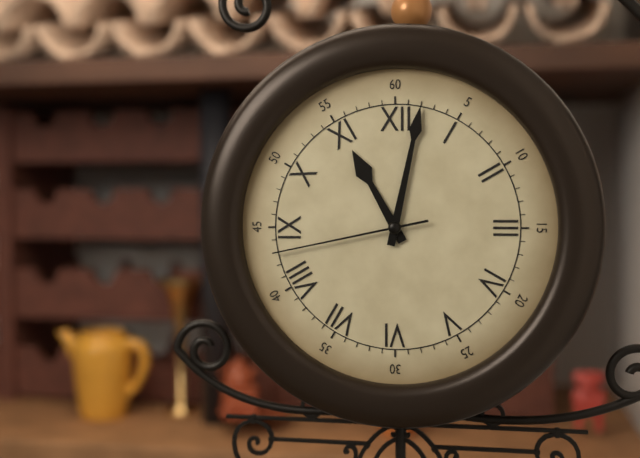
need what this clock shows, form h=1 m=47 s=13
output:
h=11 m=2 s=43
